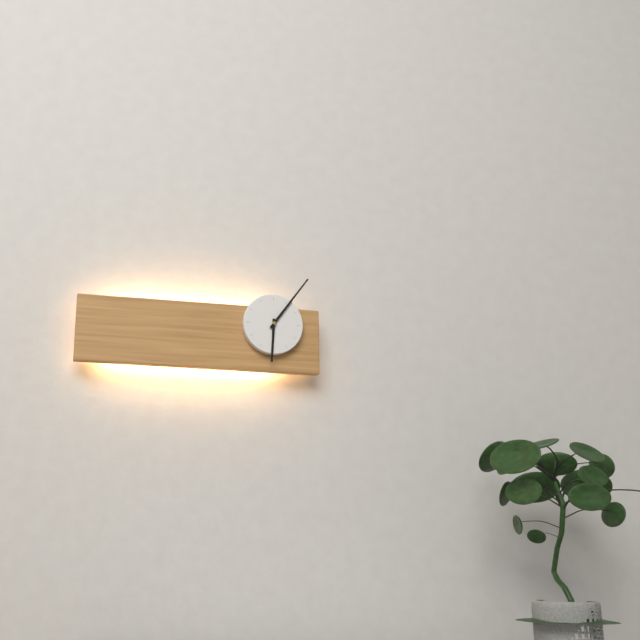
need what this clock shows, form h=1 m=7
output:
h=6 m=6
